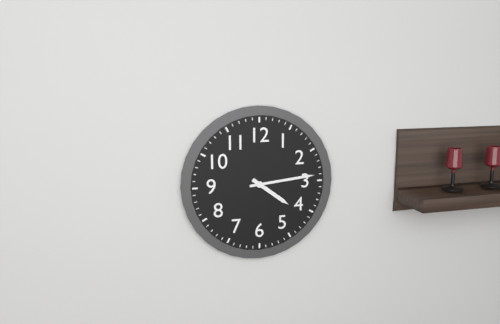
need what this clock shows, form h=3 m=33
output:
h=4 m=14
